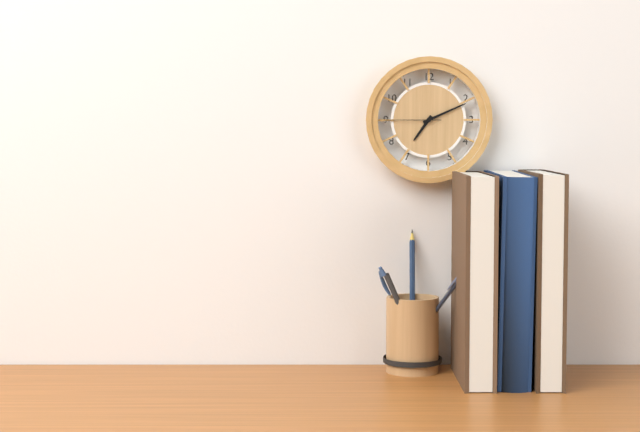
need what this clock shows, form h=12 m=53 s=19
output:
h=7 m=11 s=45
